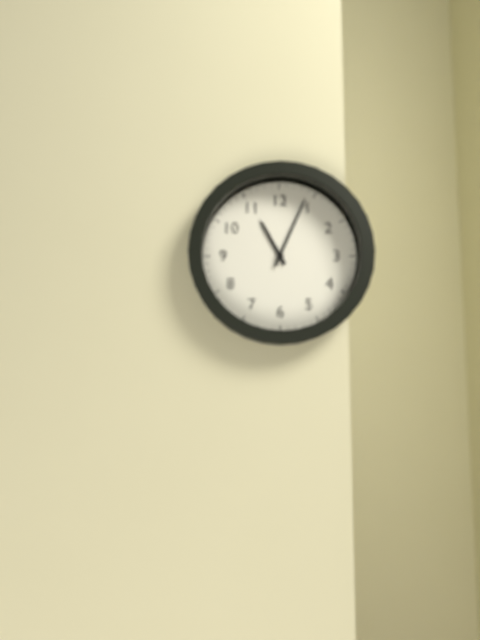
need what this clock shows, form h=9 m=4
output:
h=11 m=4
